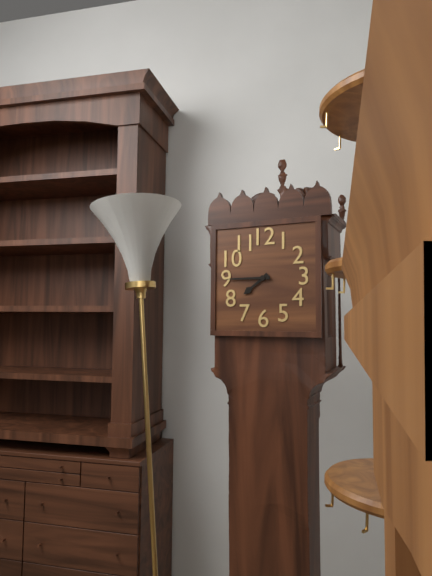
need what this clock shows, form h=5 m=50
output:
h=7 m=45
